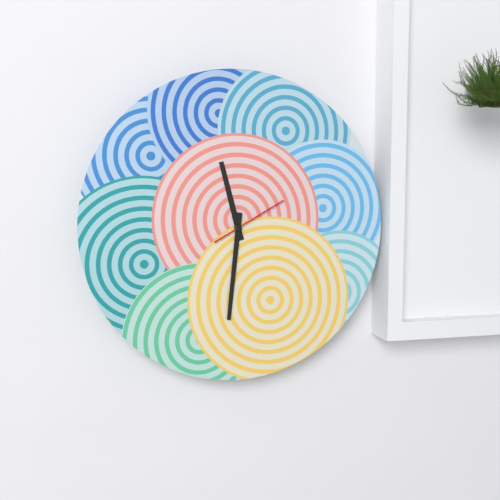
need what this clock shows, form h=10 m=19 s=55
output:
h=11 m=31 s=10
